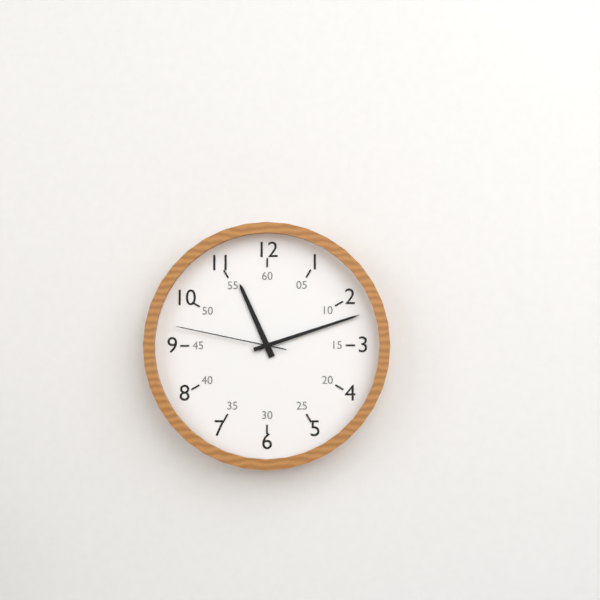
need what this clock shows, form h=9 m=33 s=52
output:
h=11 m=12 s=47
